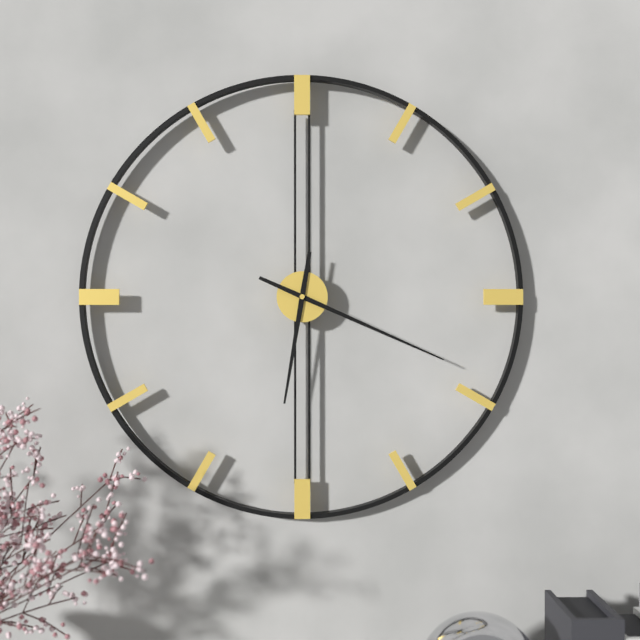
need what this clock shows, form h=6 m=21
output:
h=6 m=19
